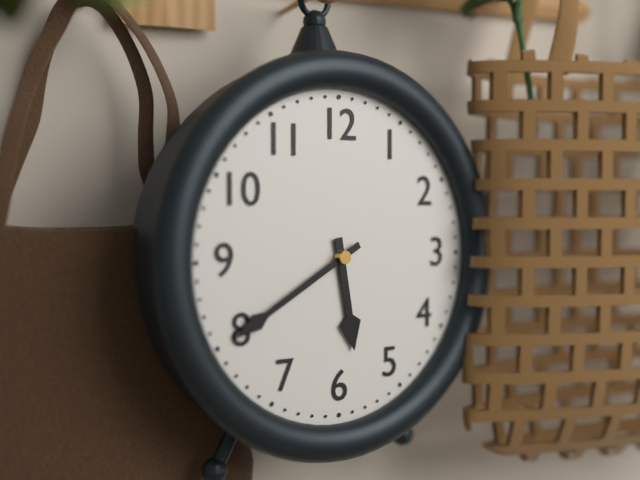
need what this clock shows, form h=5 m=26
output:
h=5 m=40
